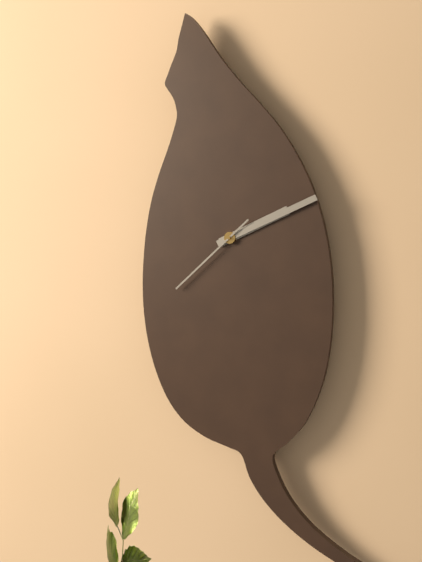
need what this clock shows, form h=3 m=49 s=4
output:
h=2 m=11 s=38
